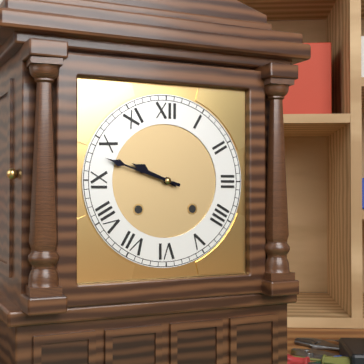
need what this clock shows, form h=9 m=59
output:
h=9 m=48
